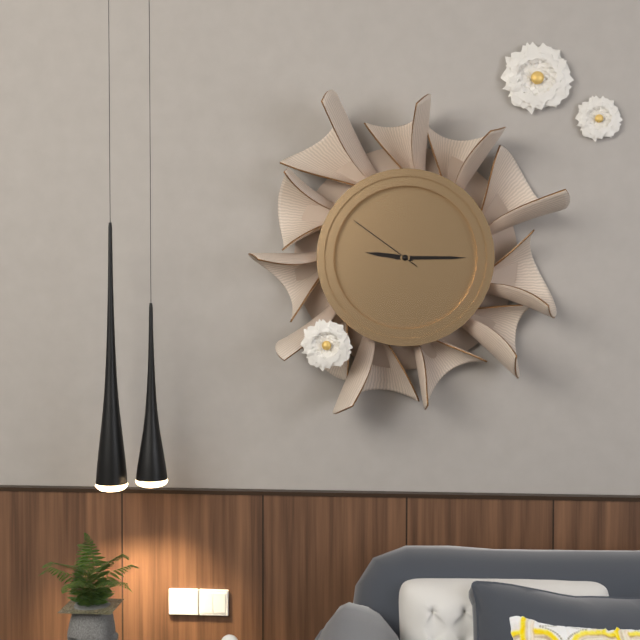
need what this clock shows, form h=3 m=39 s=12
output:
h=9 m=15 s=51
